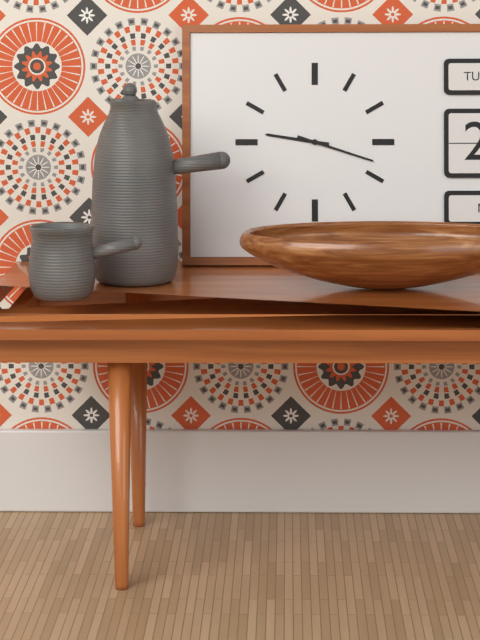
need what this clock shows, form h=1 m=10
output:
h=9 m=18
